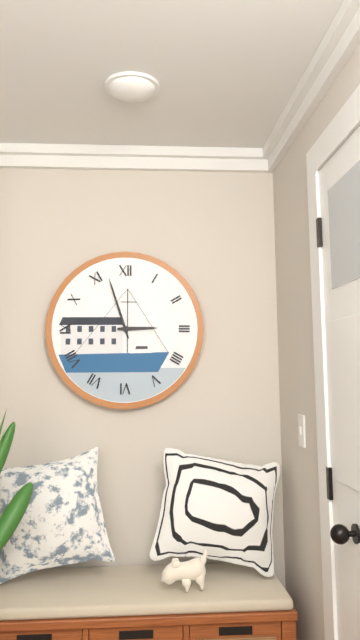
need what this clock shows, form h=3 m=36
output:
h=2 m=57
